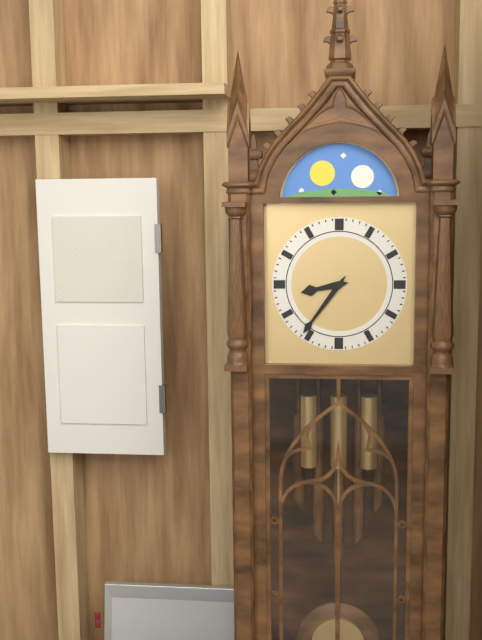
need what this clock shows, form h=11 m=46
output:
h=8 m=36
